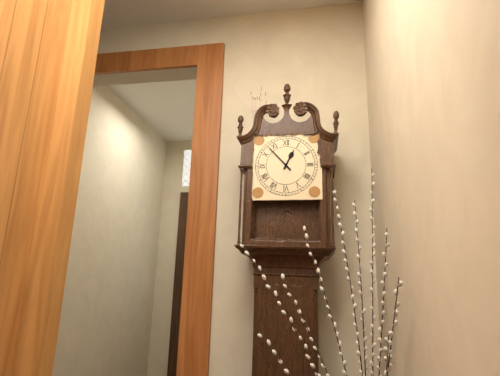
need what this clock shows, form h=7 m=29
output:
h=12 m=53
